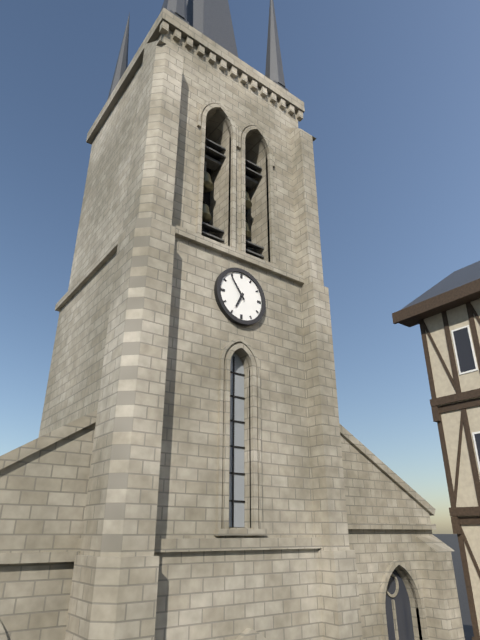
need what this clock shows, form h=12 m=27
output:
h=6 m=54
